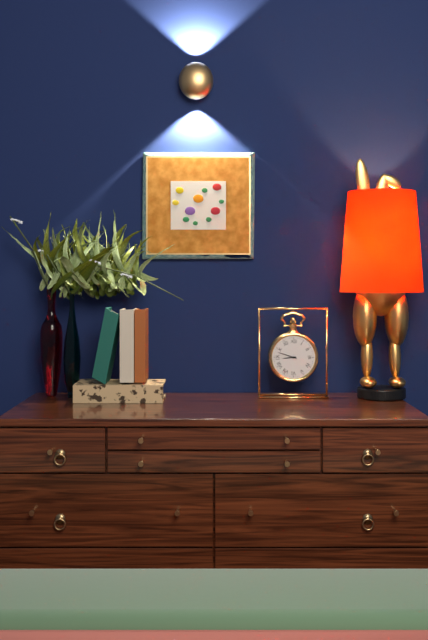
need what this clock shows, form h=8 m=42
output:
h=8 m=48
